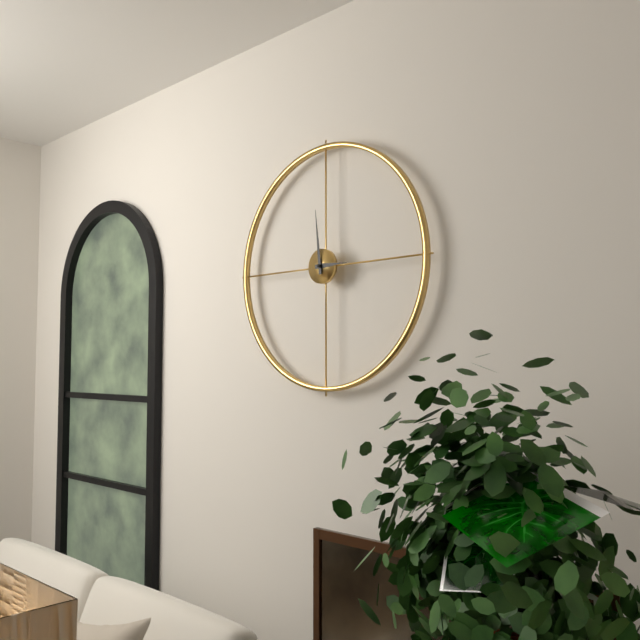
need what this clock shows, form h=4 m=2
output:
h=2 m=59
